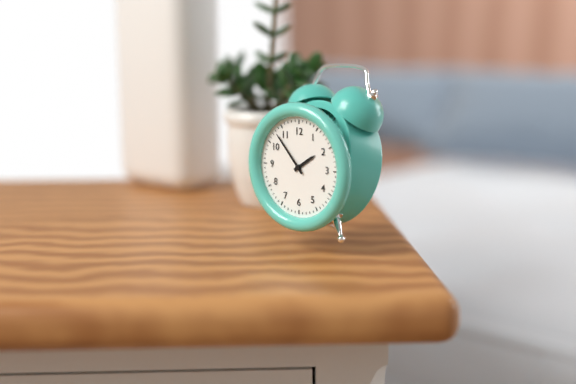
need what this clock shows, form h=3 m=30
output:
h=1 m=53
